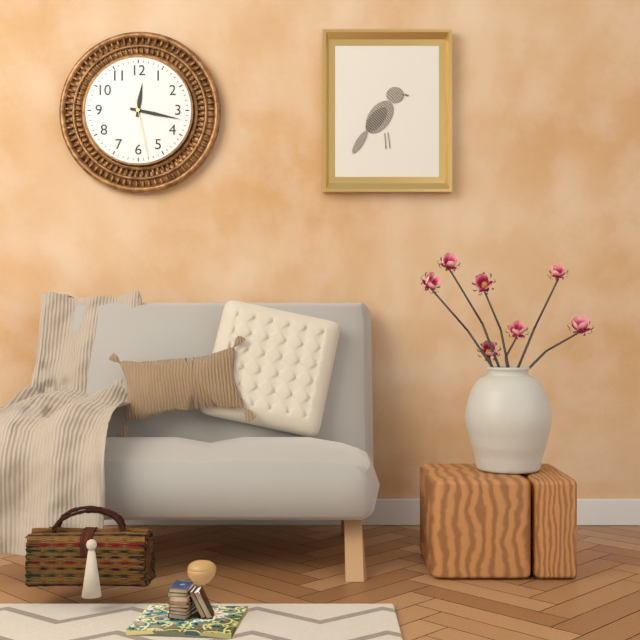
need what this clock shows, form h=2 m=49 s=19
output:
h=12 m=17 s=28
